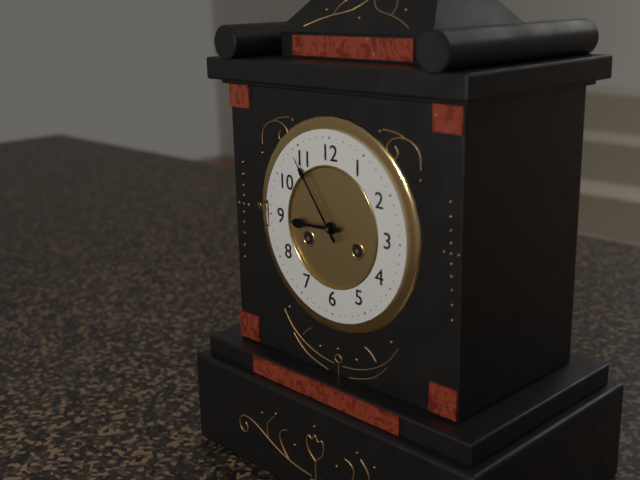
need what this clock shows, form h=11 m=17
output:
h=8 m=54
